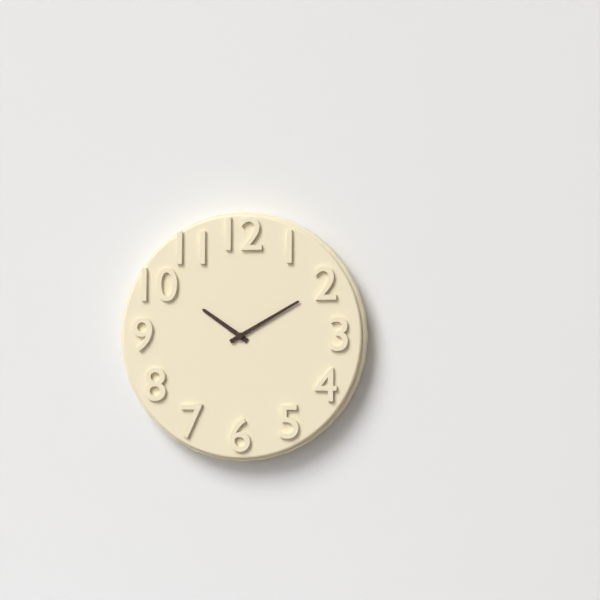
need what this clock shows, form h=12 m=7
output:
h=10 m=10
